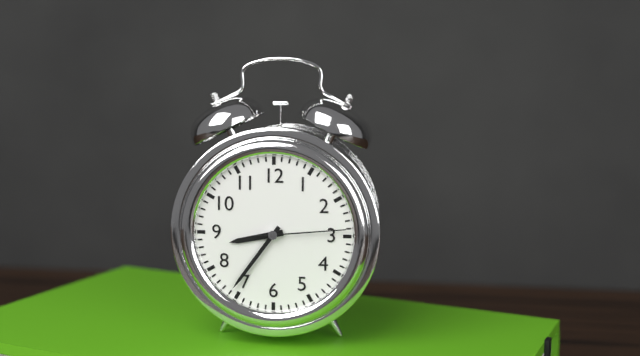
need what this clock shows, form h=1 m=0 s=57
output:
h=8 m=36 s=14
